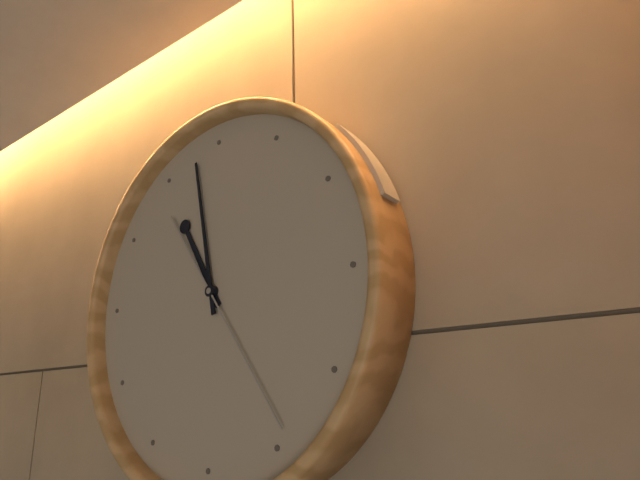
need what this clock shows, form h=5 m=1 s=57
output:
h=10 m=58 s=24
